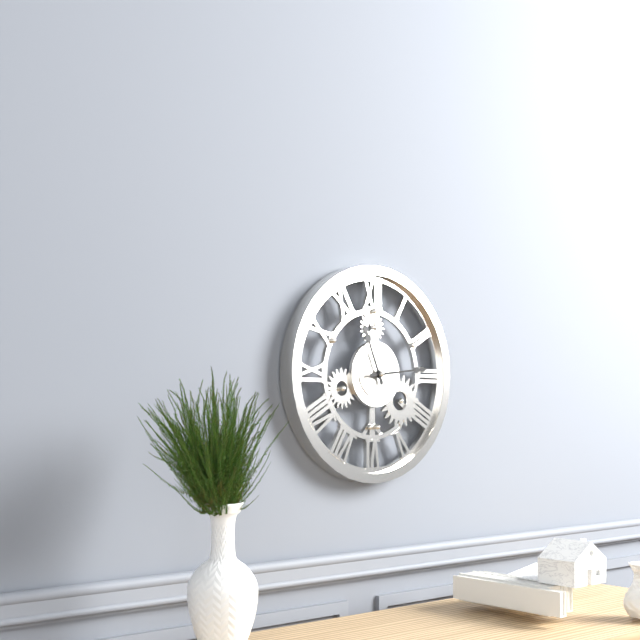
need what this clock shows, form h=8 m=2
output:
h=11 m=14
